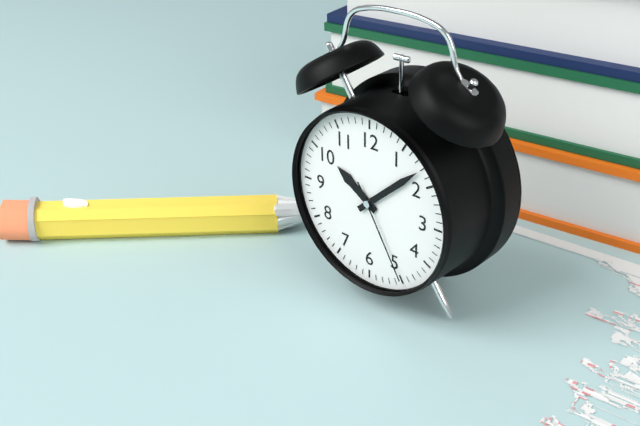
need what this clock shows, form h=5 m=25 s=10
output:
h=10 m=8 s=25
